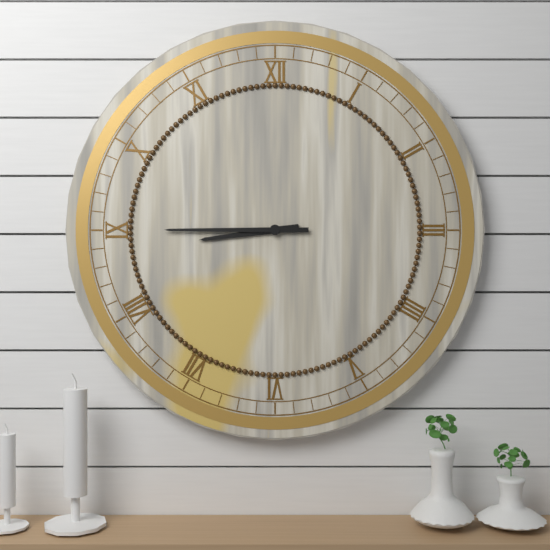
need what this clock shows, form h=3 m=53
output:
h=8 m=45
